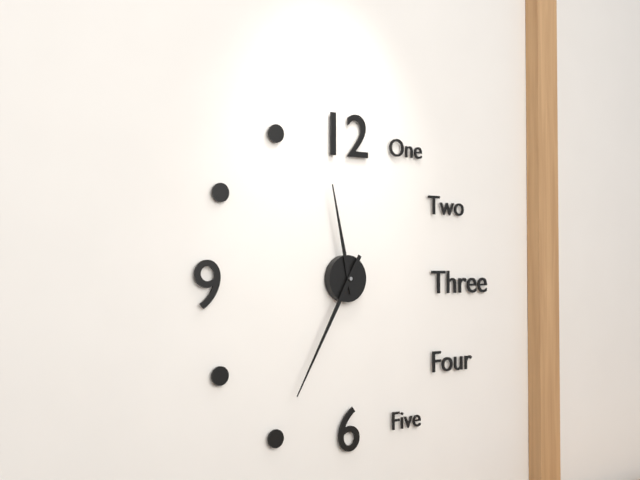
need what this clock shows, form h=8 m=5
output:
h=11 m=35
